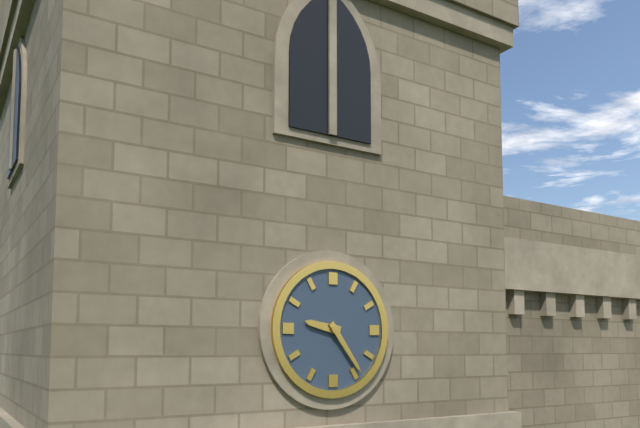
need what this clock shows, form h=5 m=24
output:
h=9 m=24
